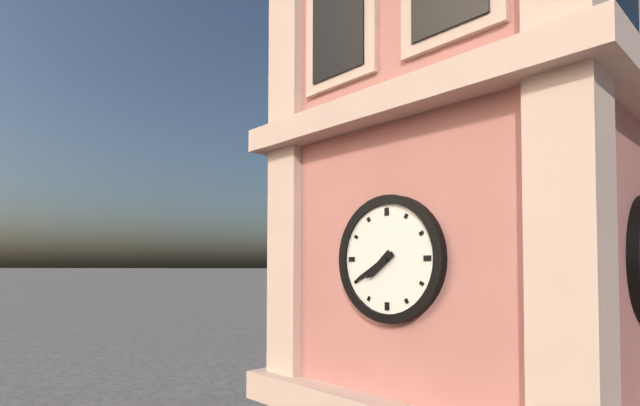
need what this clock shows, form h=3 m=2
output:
h=7 m=40
